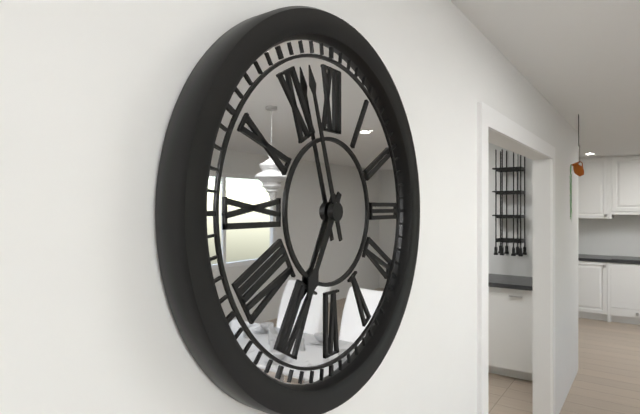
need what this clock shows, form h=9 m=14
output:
h=6 m=57
